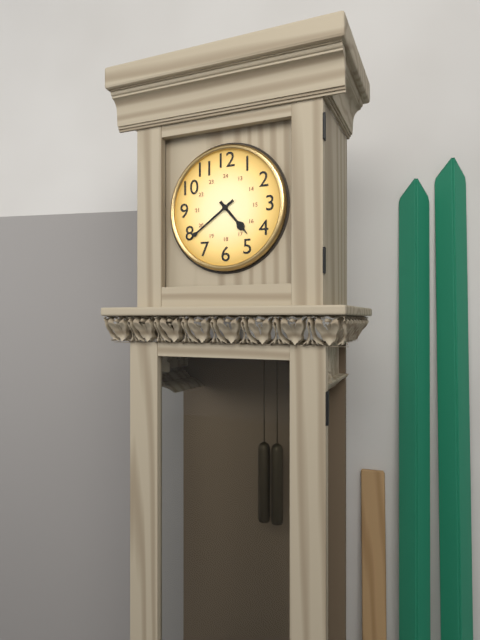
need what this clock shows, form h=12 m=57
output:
h=4 m=39
